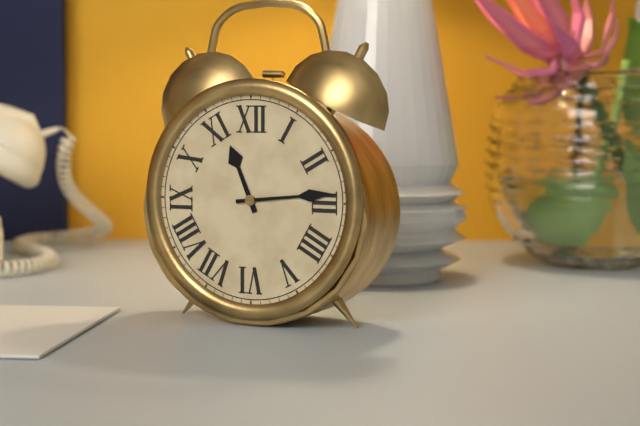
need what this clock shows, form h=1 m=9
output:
h=11 m=14
